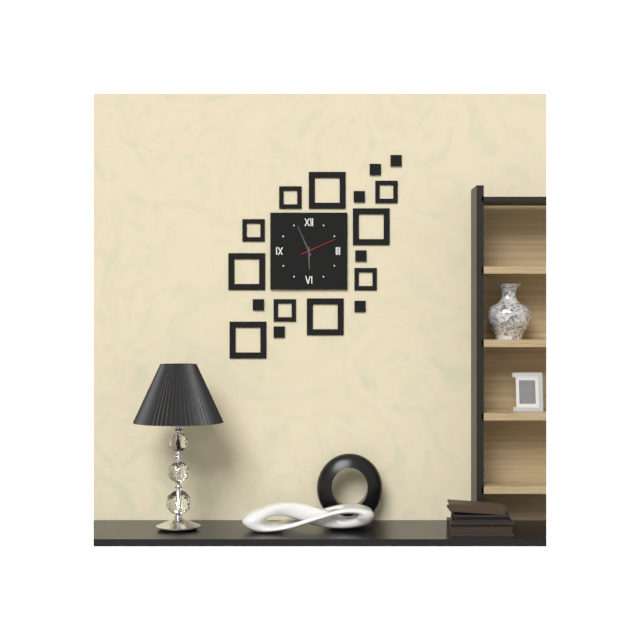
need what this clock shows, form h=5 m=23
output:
h=5 m=56
